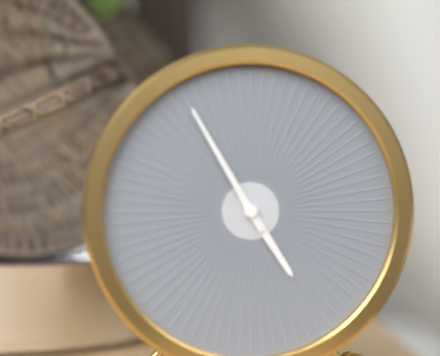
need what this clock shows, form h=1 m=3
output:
h=4 m=55
